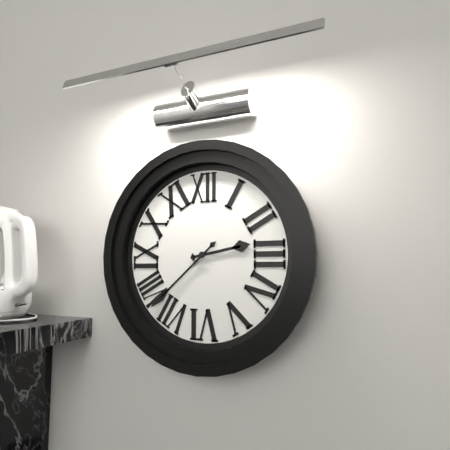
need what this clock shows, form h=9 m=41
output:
h=2 m=38
